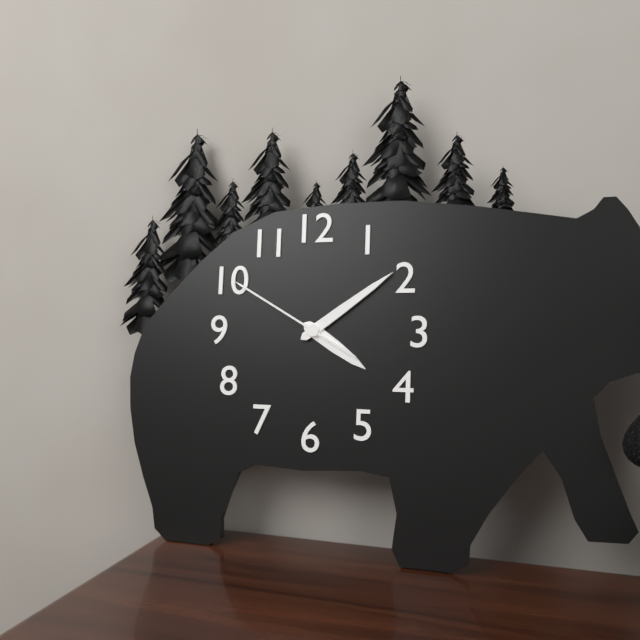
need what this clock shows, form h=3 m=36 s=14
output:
h=4 m=9 s=50
